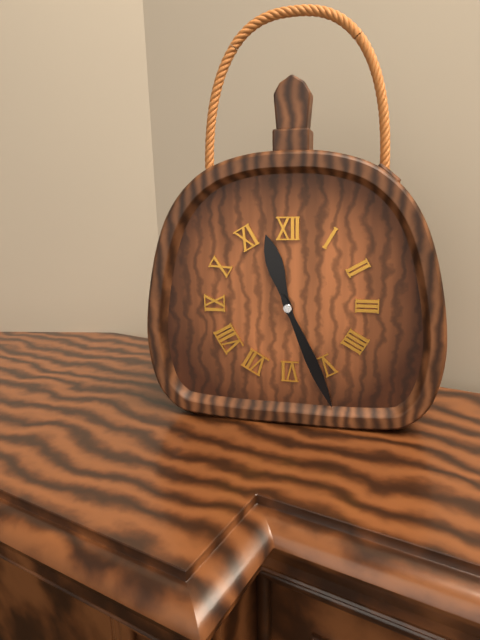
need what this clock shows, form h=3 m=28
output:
h=11 m=26
